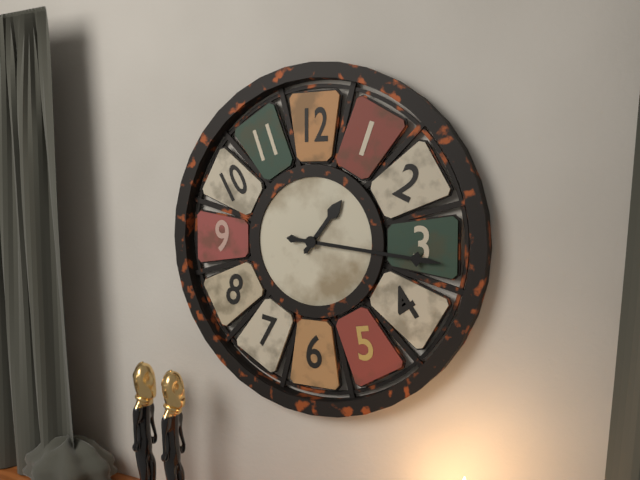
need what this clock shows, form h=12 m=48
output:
h=1 m=16
